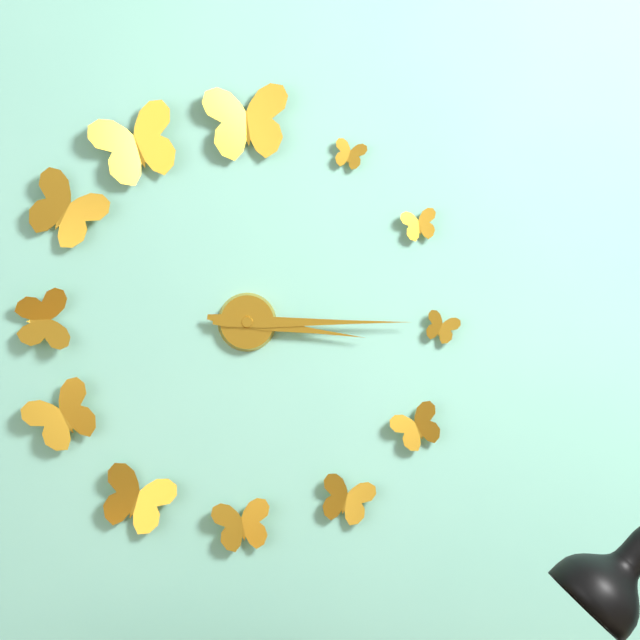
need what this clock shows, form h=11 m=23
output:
h=3 m=15
